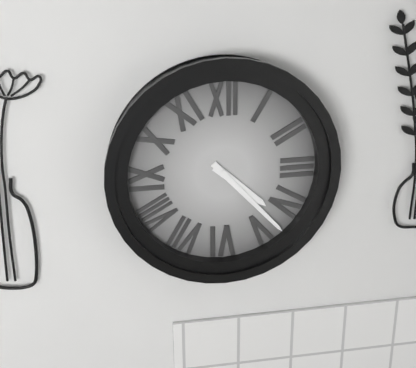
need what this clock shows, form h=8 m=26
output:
h=4 m=23
